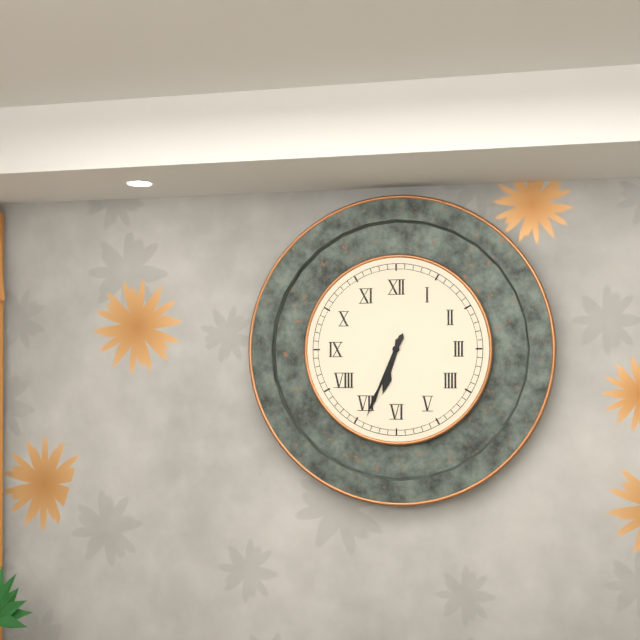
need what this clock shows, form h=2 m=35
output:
h=6 m=34
